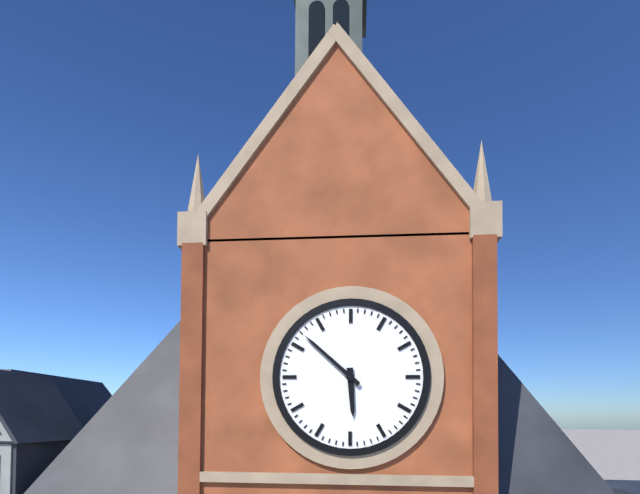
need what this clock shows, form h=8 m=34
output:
h=5 m=52
